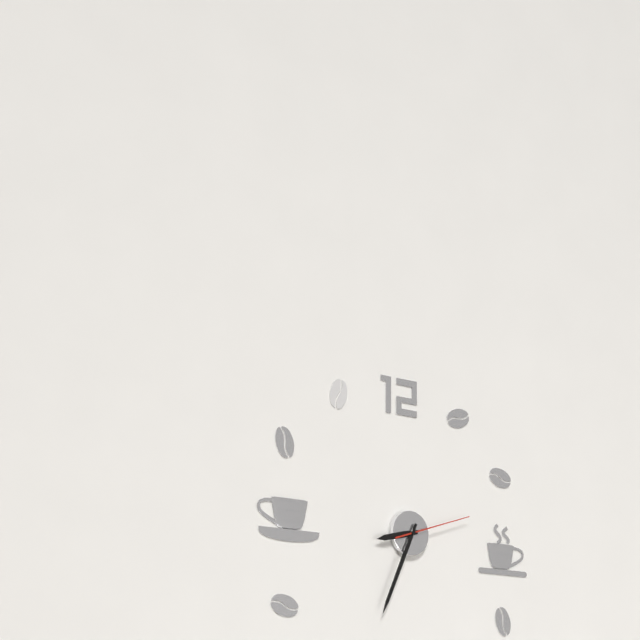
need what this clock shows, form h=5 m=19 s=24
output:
h=8 m=34 s=12
